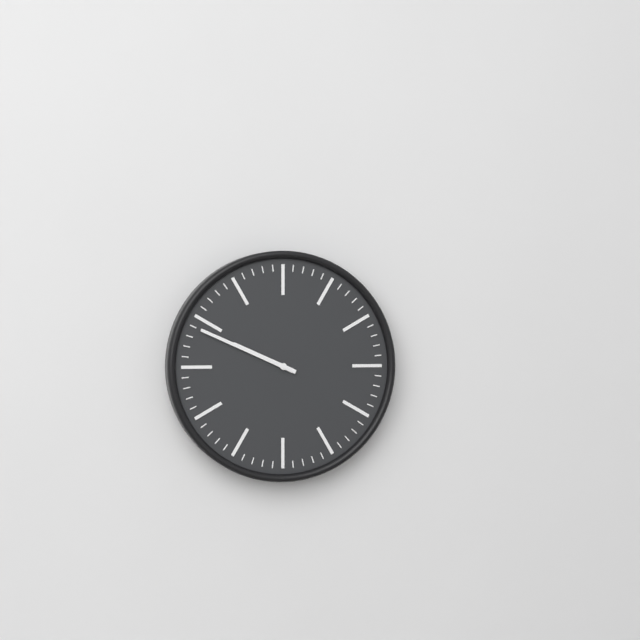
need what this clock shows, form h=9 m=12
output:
h=9 m=49
